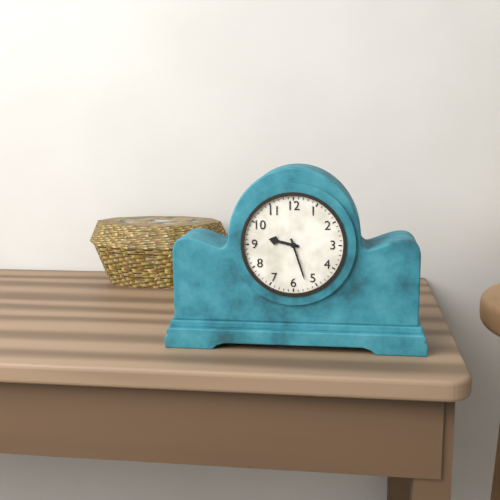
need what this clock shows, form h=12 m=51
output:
h=9 m=27
